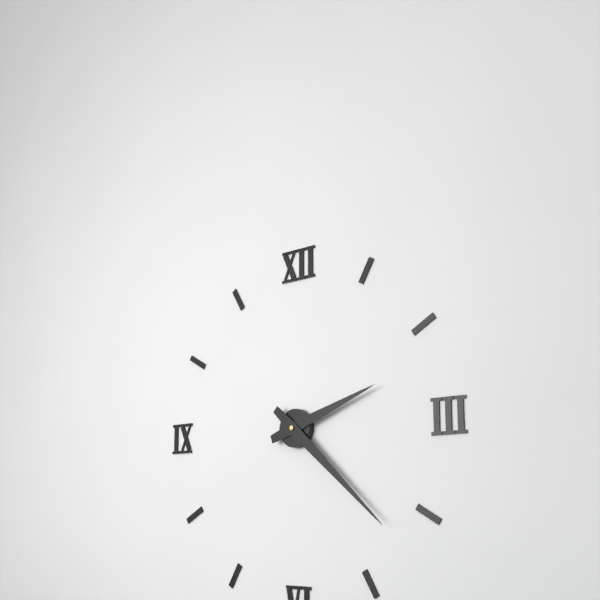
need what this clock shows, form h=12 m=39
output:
h=2 m=22
